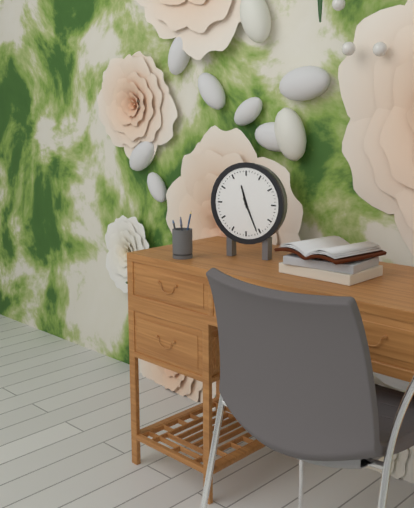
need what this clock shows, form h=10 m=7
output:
h=11 m=26
